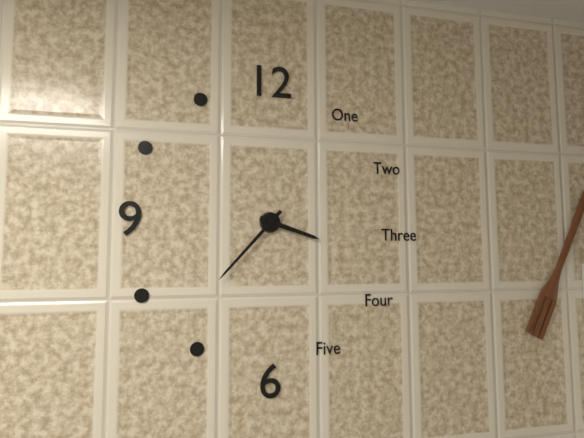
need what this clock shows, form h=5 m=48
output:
h=3 m=37
